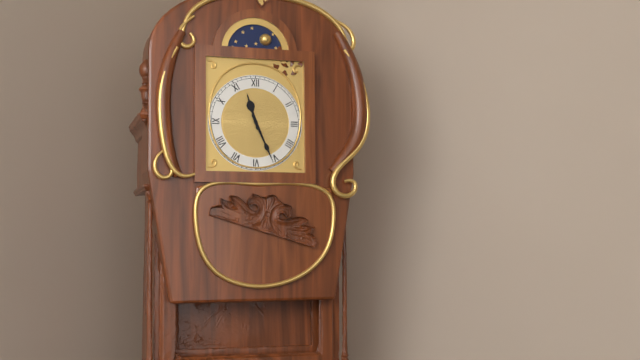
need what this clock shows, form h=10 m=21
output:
h=11 m=26
